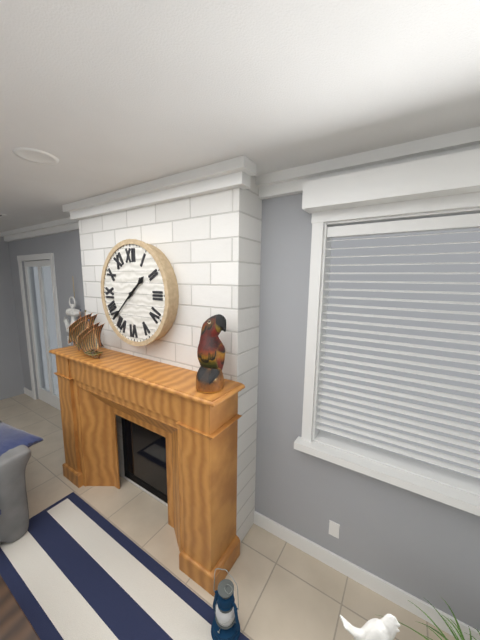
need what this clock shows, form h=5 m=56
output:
h=1 m=38
